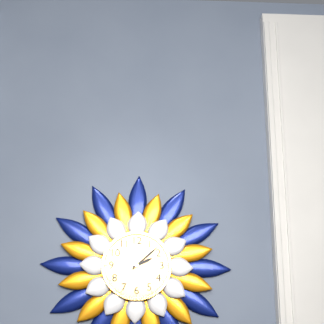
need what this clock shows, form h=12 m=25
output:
h=2 m=8
